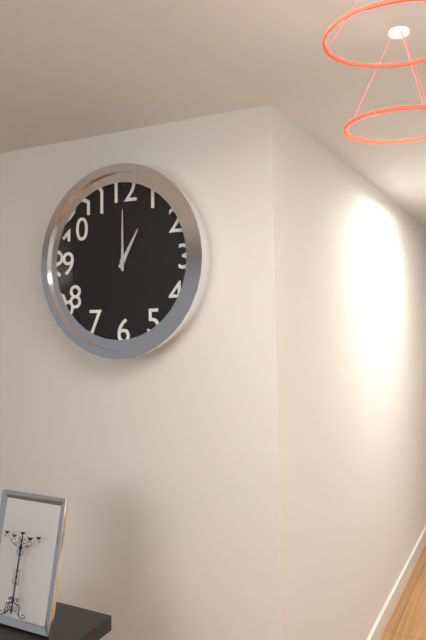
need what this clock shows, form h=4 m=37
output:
h=1 m=0
